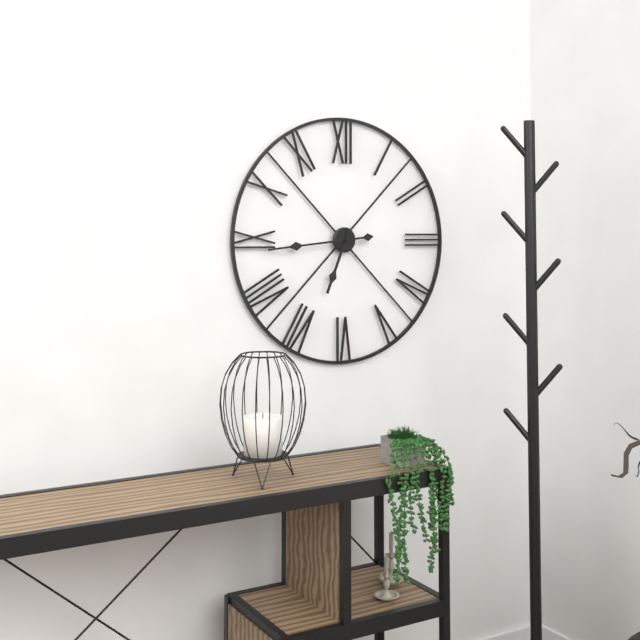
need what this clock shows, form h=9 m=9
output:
h=6 m=44
